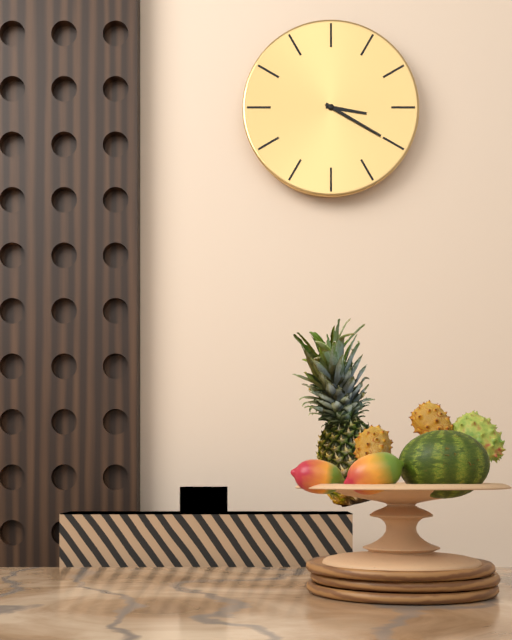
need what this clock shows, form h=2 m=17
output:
h=3 m=20
